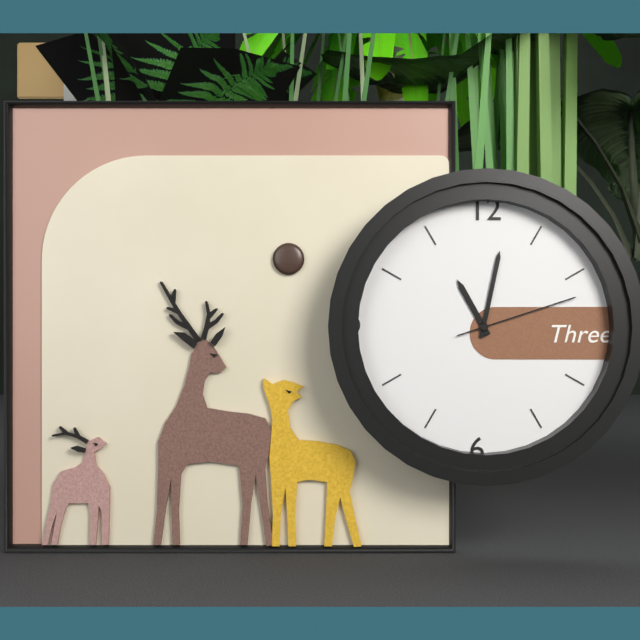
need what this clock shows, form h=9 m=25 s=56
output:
h=11 m=2 s=12
